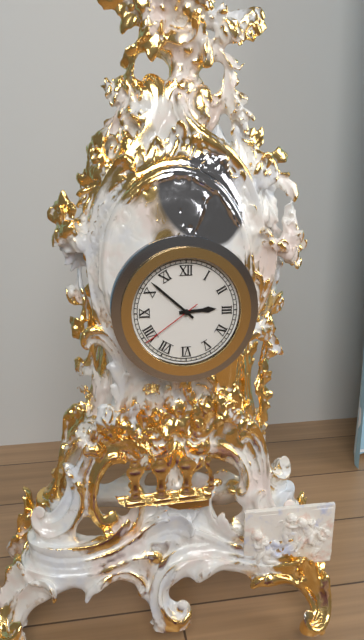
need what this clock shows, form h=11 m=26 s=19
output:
h=2 m=52 s=39
